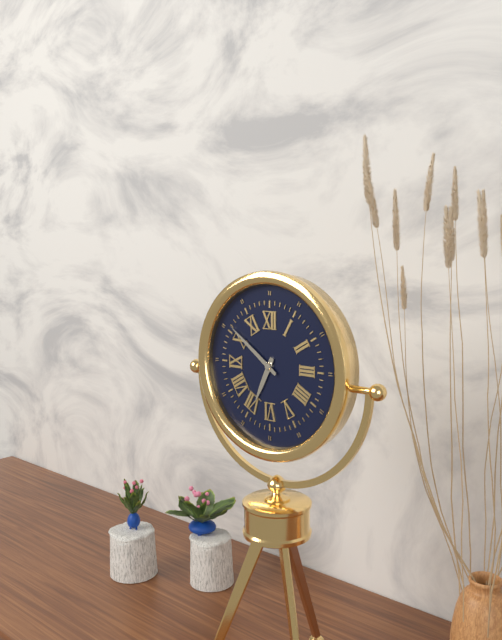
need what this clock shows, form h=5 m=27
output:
h=6 m=51
